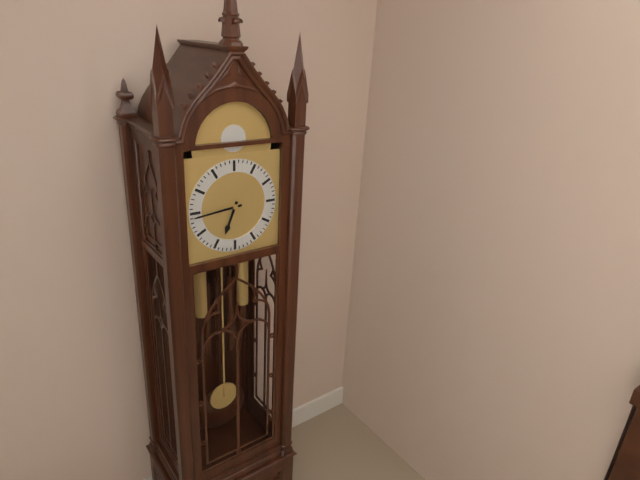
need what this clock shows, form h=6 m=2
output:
h=6 m=44
